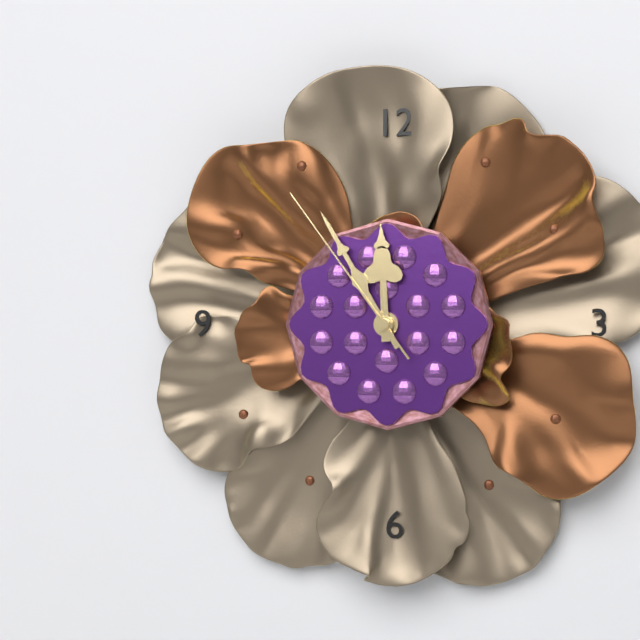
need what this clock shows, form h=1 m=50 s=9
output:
h=11 m=55 s=54
